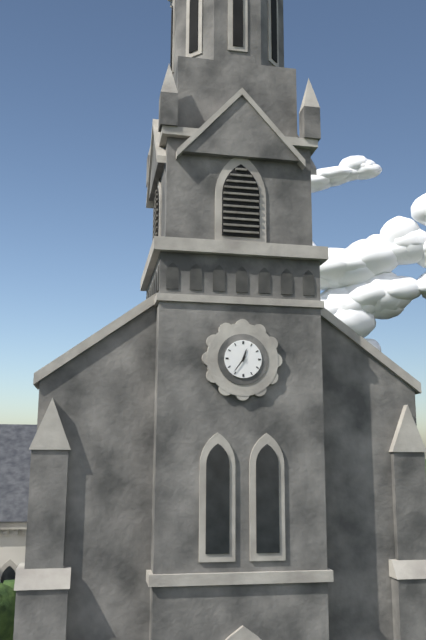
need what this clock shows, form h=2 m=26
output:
h=12 m=36
